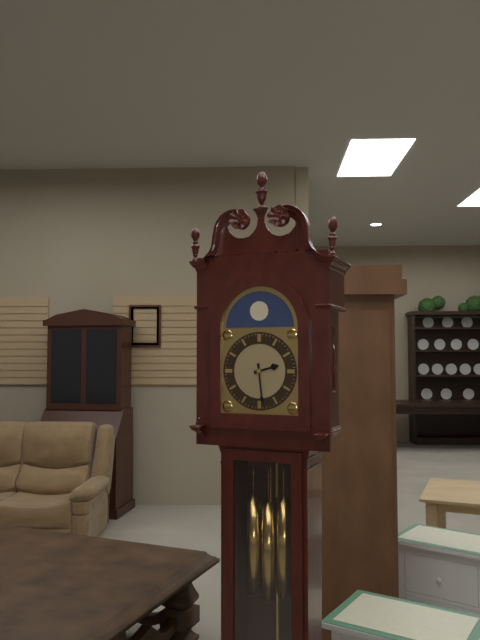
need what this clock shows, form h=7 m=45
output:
h=2 m=29
